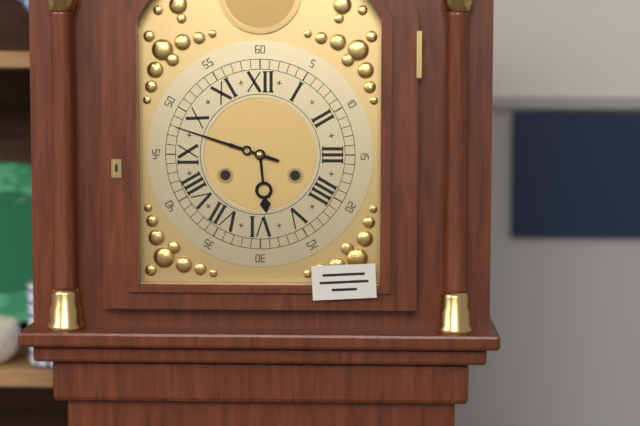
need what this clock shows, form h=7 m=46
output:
h=5 m=48
